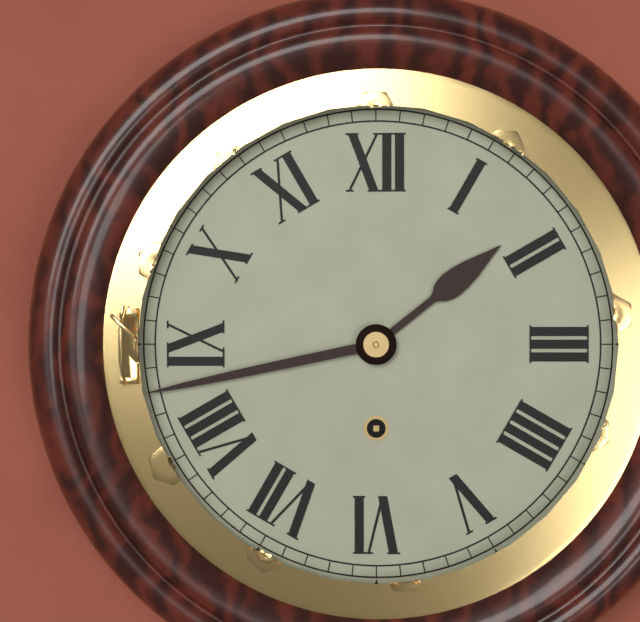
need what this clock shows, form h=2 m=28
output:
h=1 m=43
